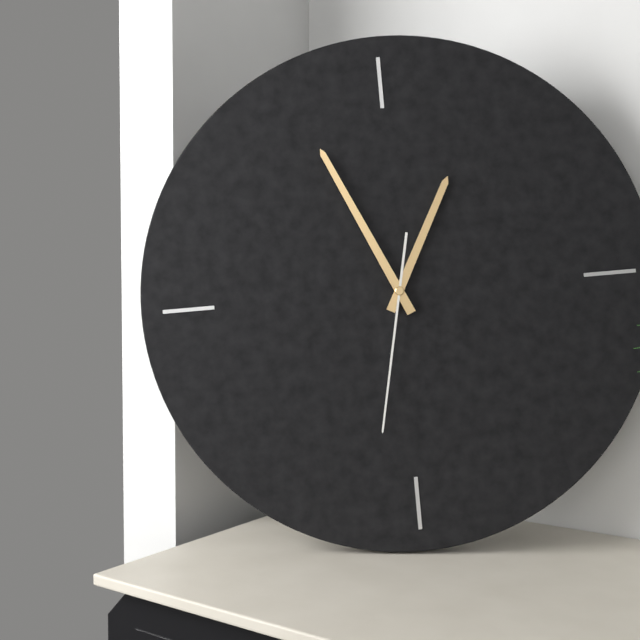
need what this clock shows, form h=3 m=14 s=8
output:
h=12 m=56 s=32
